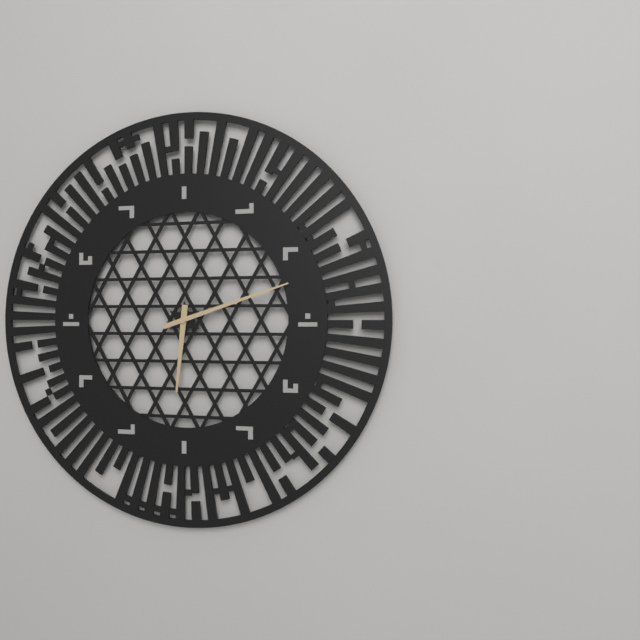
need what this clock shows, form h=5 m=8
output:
h=6 m=12
